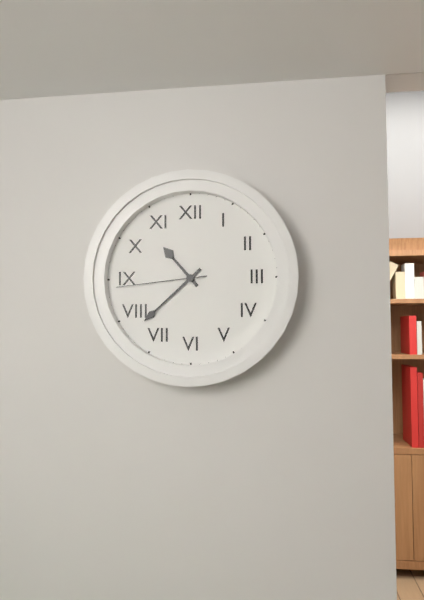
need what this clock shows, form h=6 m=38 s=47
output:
h=10 m=38 s=44
